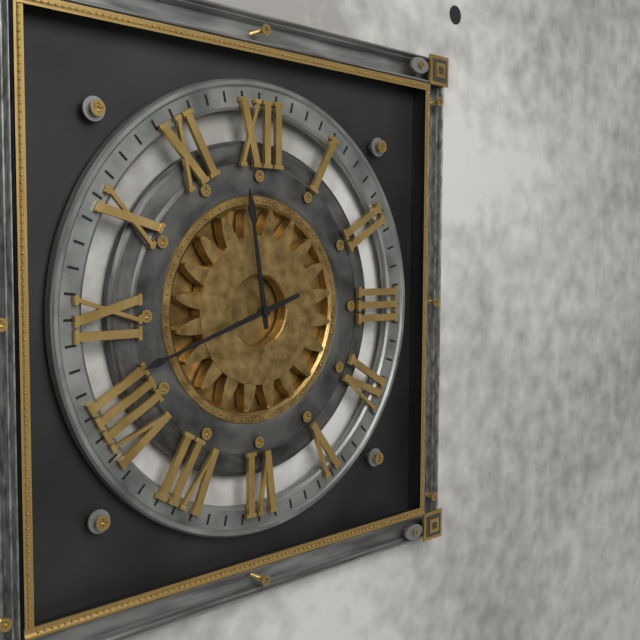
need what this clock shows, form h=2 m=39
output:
h=11 m=42
